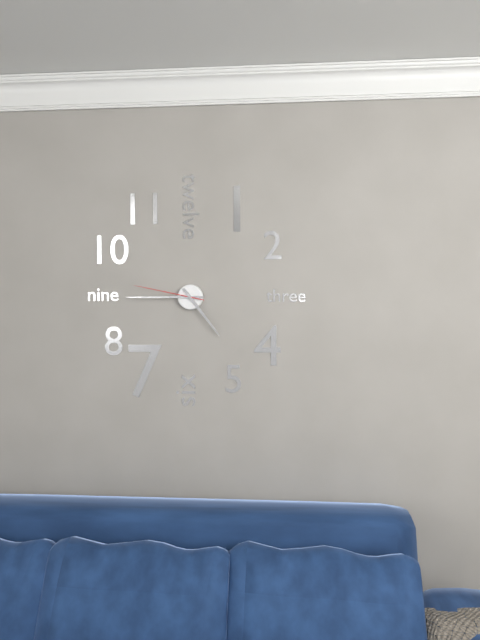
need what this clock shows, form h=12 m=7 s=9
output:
h=4 m=45 s=47
